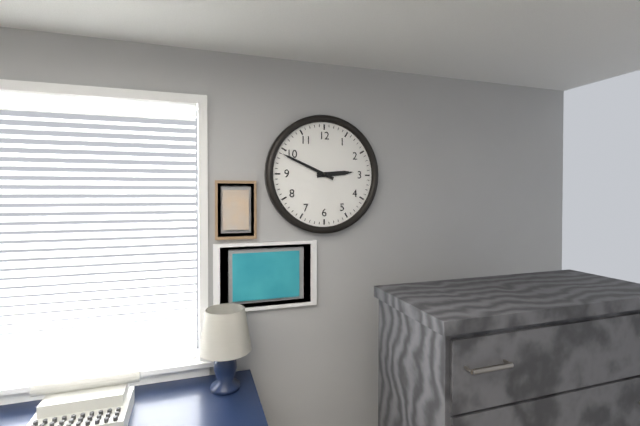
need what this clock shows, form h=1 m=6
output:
h=2 m=49
